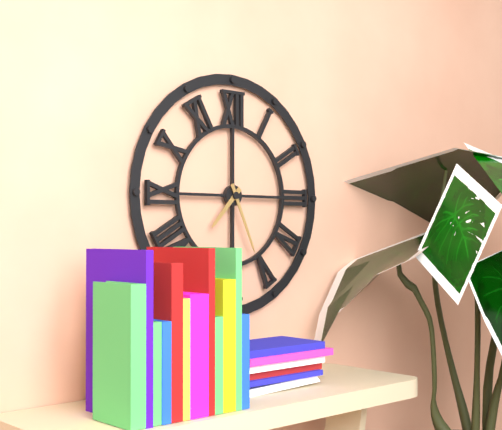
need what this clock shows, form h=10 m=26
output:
h=7 m=26
